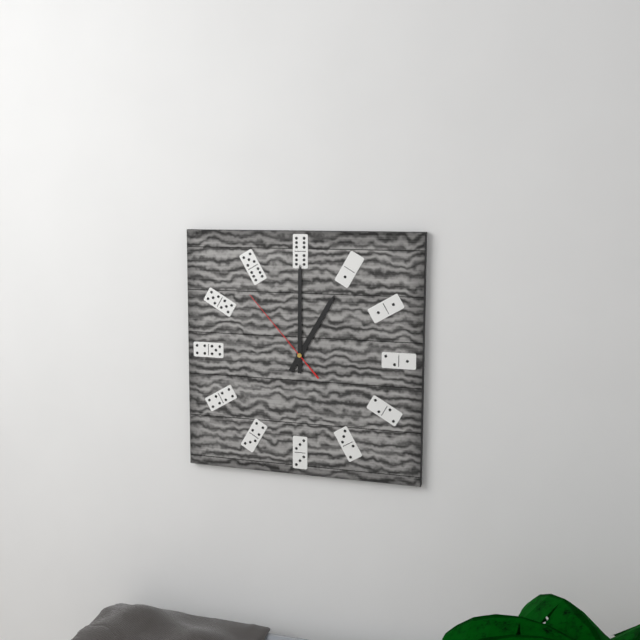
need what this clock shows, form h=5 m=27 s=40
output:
h=1 m=0 s=53
